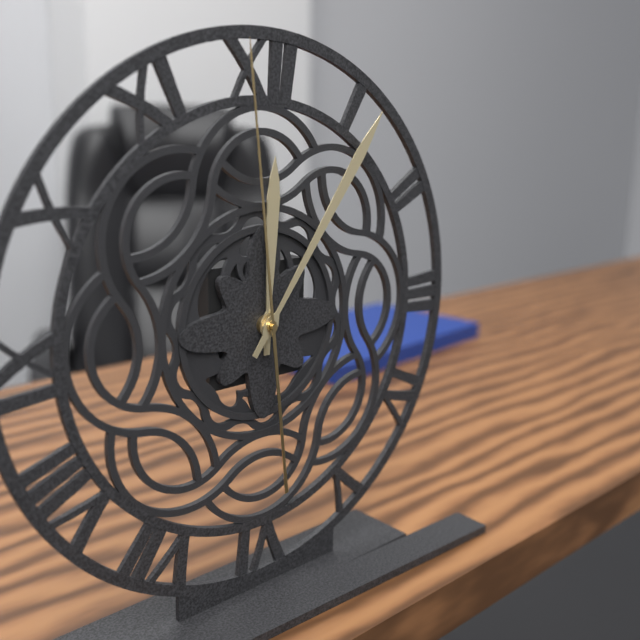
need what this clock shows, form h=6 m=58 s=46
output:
h=12 m=6 s=59
